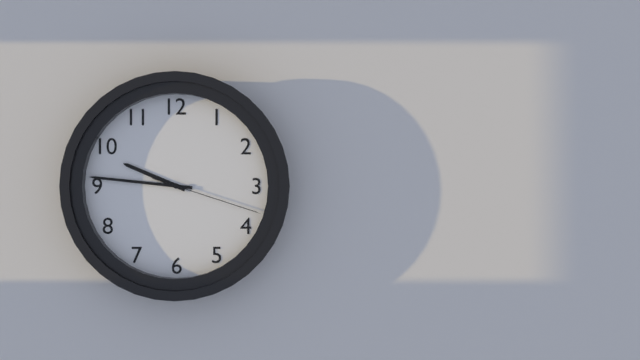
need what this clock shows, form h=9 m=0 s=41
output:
h=9 m=46 s=18
